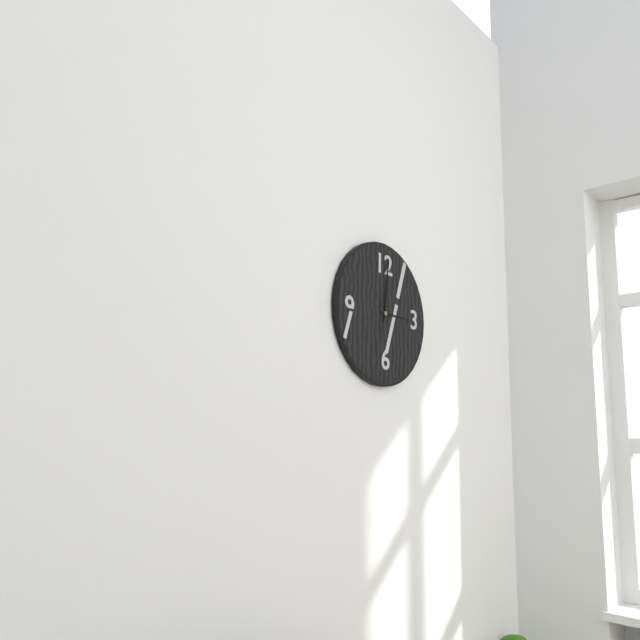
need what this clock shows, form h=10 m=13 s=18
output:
h=3 m=1 s=33
